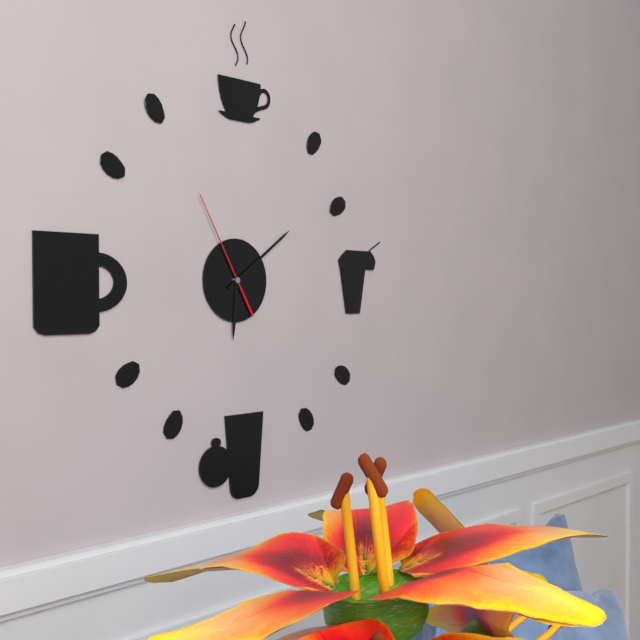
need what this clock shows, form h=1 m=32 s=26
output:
h=6 m=9 s=55
